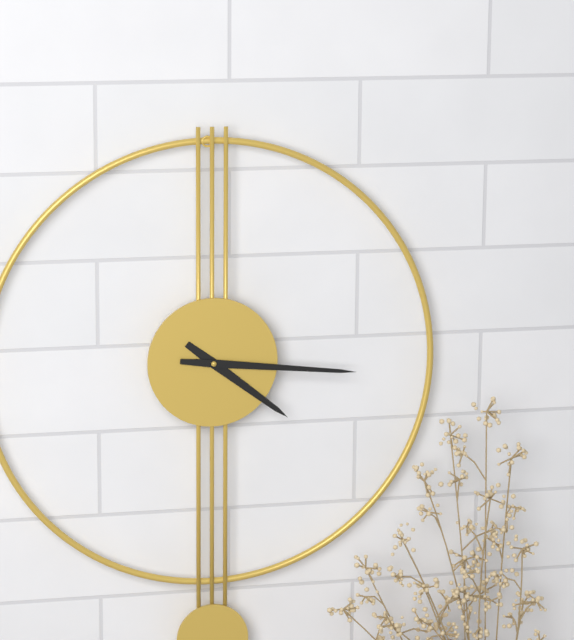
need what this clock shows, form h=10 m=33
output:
h=4 m=16
